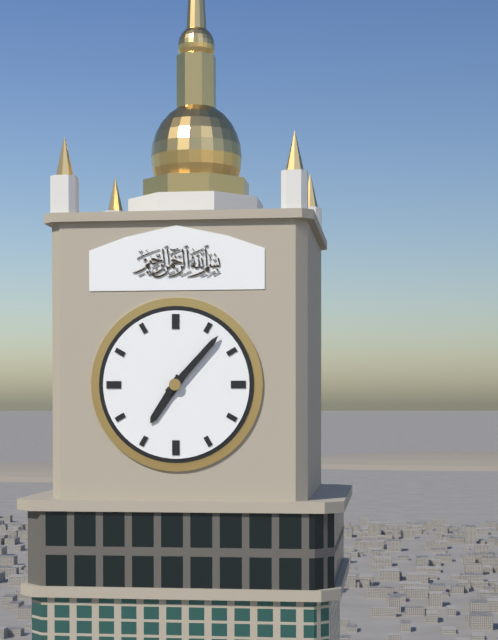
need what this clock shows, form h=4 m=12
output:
h=7 m=7
